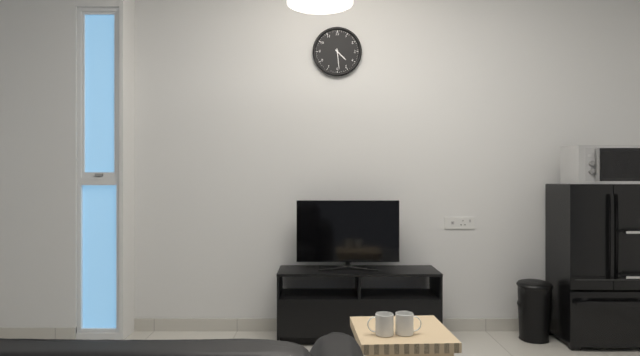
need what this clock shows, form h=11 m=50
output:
h=4 m=29
